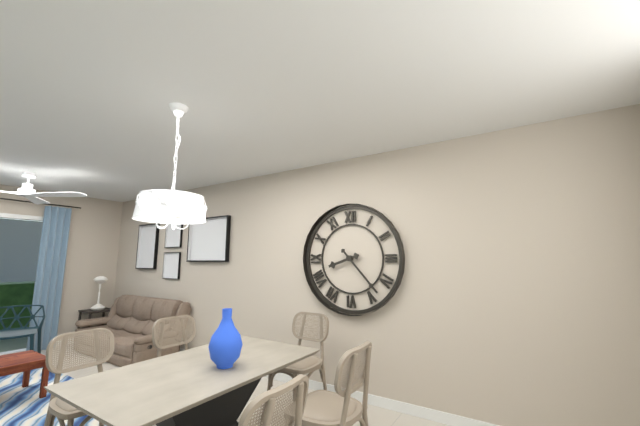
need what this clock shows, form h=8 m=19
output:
h=8 m=23
